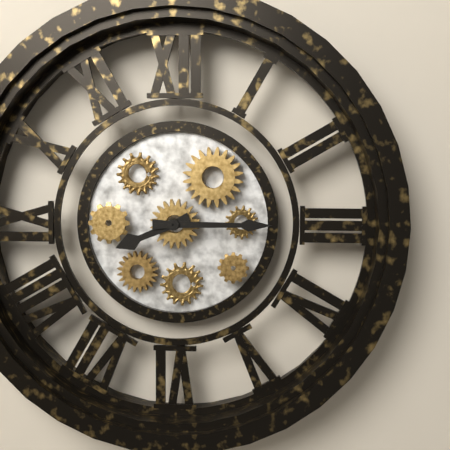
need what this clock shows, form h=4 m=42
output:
h=8 m=15
